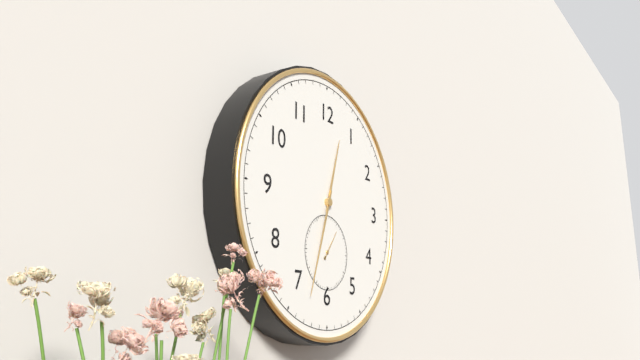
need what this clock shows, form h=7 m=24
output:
h=12 m=33
